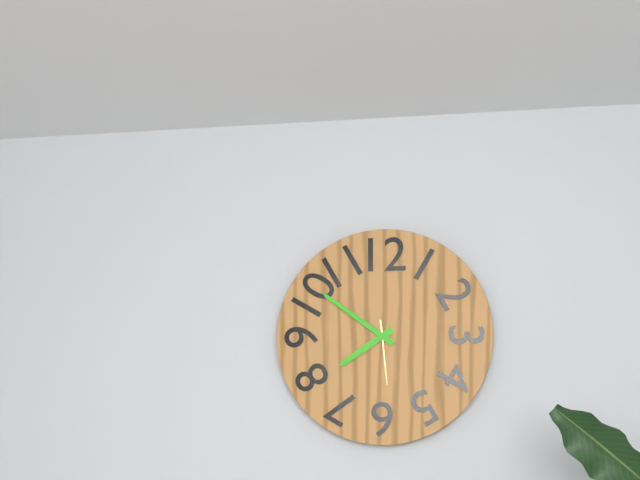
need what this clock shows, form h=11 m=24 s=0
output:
h=7 m=51 s=29
